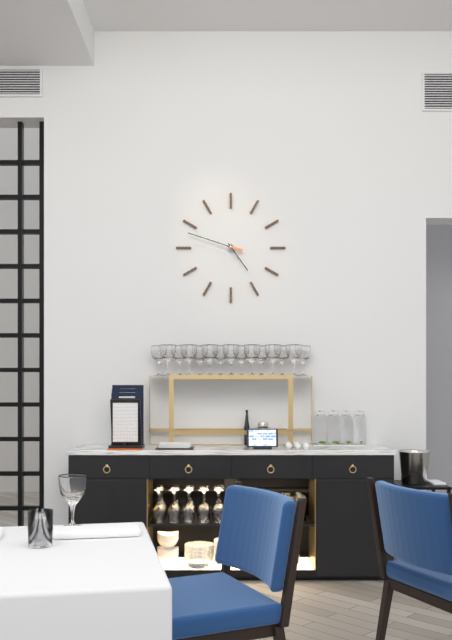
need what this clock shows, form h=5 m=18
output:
h=4 m=48
